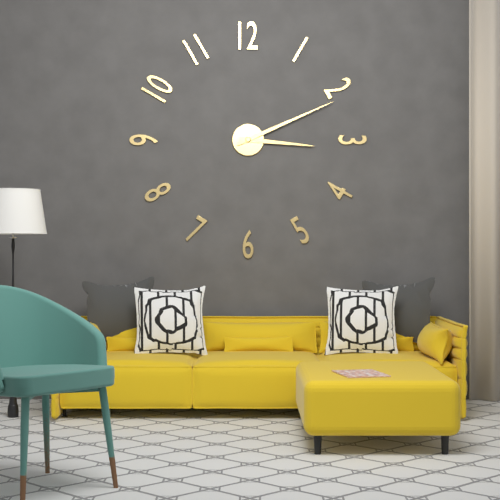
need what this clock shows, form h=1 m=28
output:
h=3 m=11
